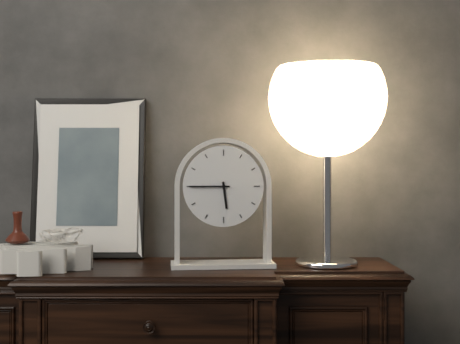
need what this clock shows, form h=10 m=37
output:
h=5 m=45
